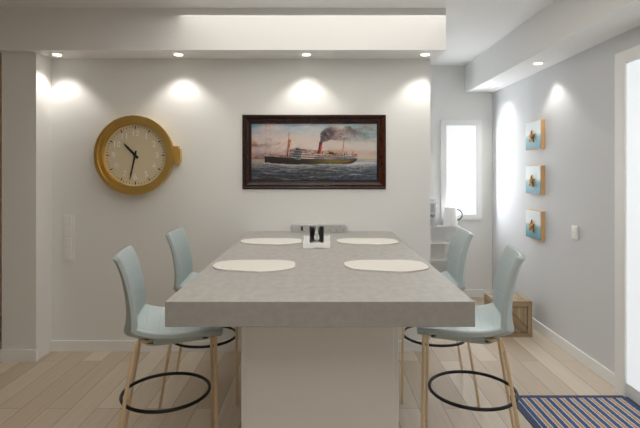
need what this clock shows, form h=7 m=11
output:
h=10 m=32
